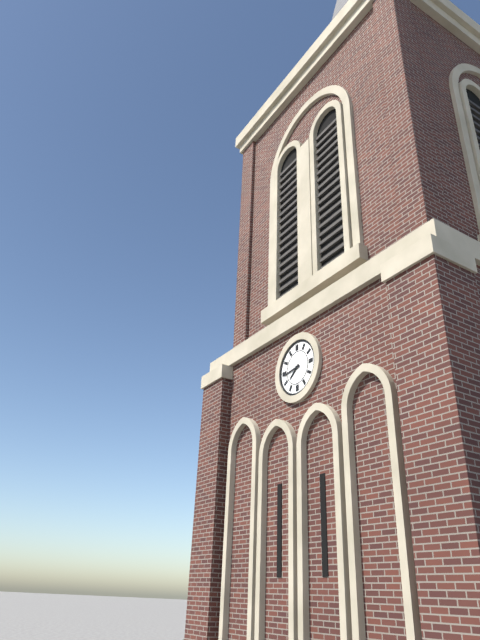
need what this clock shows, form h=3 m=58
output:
h=7 m=44
